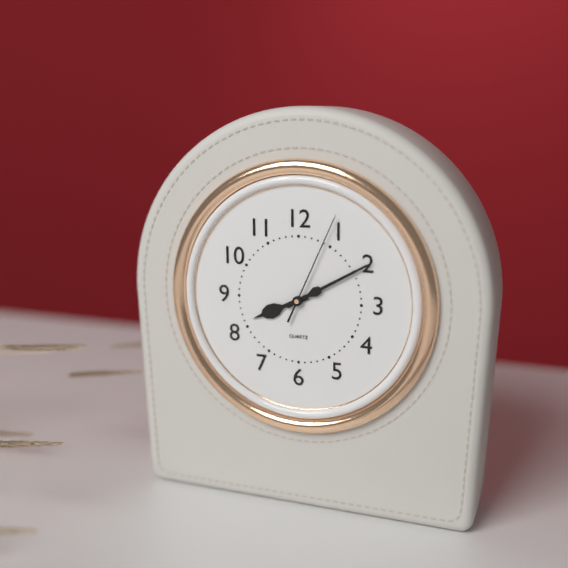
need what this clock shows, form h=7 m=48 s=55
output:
h=8 m=10 s=4
